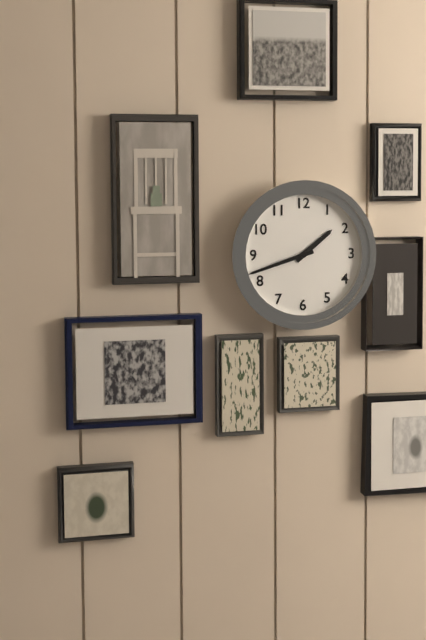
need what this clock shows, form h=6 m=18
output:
h=1 m=42
